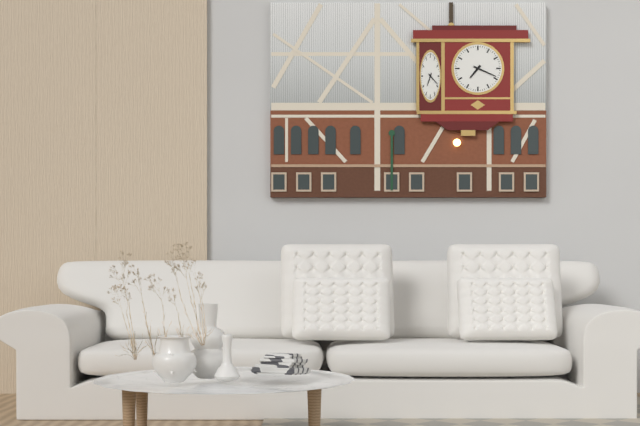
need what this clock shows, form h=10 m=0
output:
h=7 m=19
